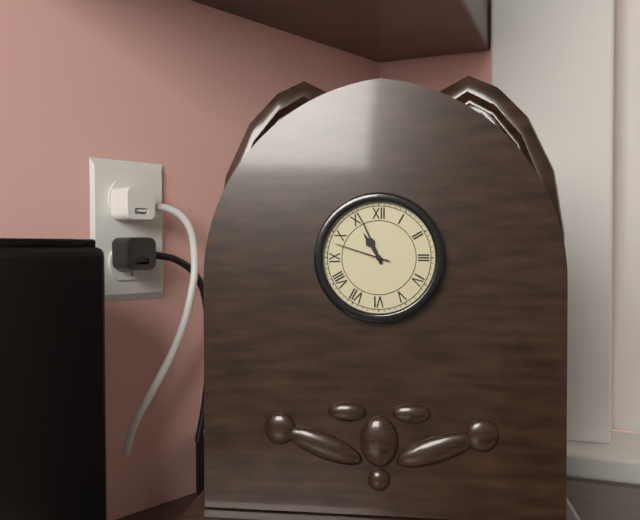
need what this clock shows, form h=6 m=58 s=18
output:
h=10 m=56 s=48
